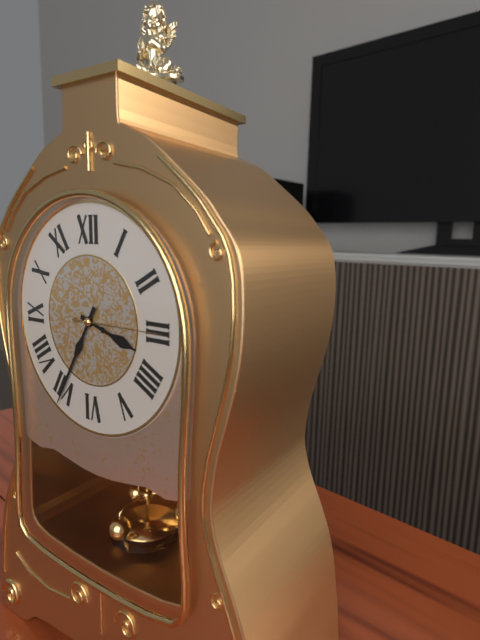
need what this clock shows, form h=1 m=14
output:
h=3 m=35
